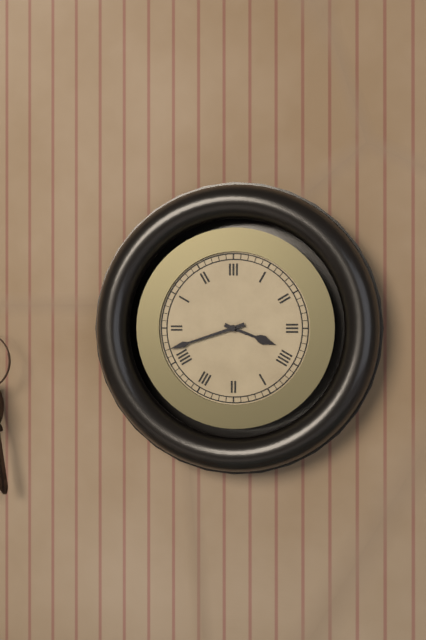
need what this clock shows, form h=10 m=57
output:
h=3 m=42
